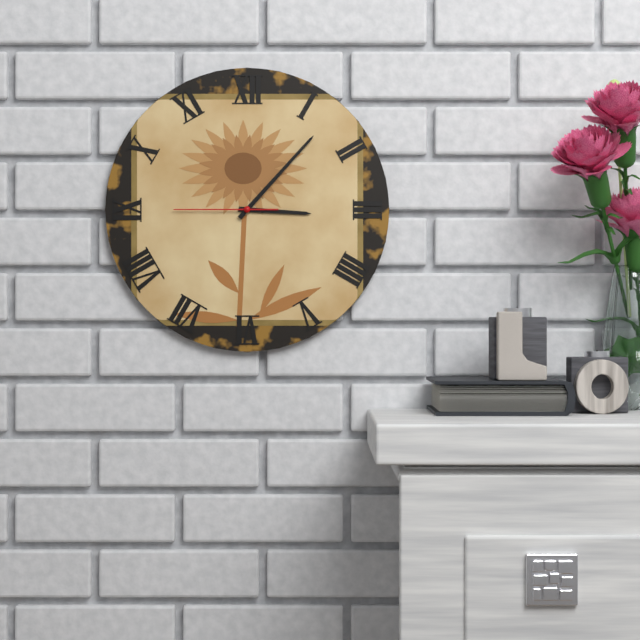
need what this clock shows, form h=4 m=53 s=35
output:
h=3 m=7 s=45
